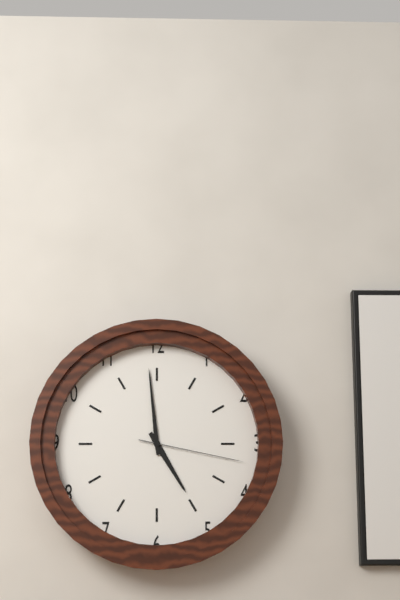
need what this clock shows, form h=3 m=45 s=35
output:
h=4 m=59 s=17
